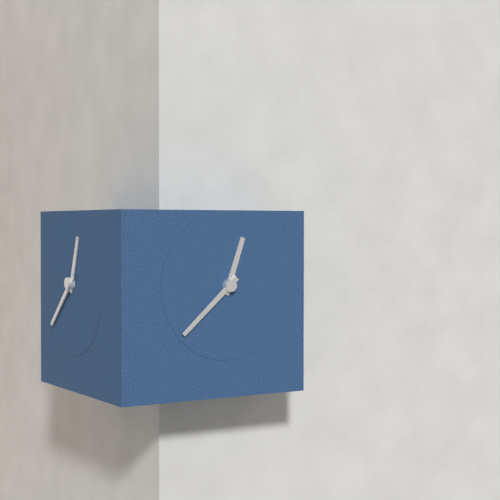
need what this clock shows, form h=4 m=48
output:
h=12 m=38
